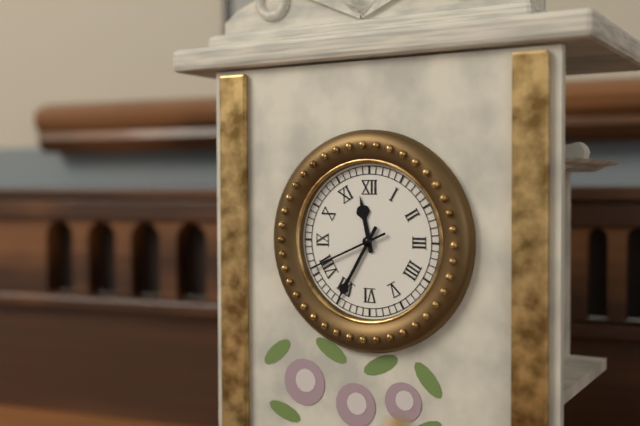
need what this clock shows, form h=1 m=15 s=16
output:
h=11 m=35 s=41
